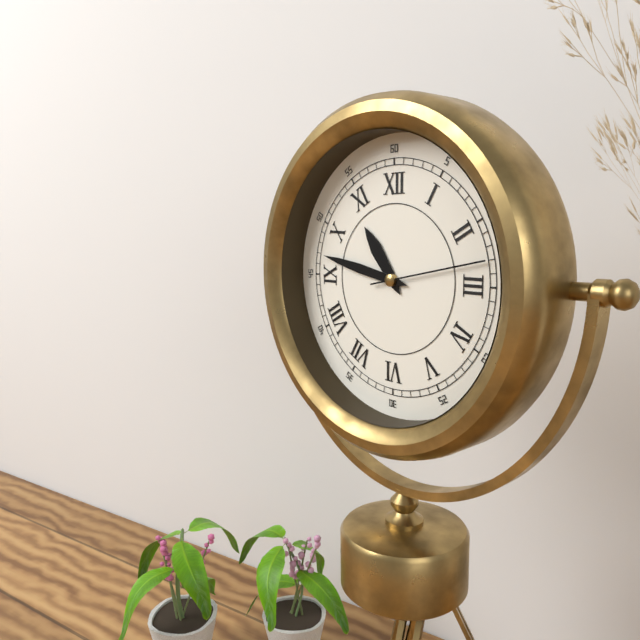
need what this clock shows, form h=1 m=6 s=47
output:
h=10 m=47 s=13
